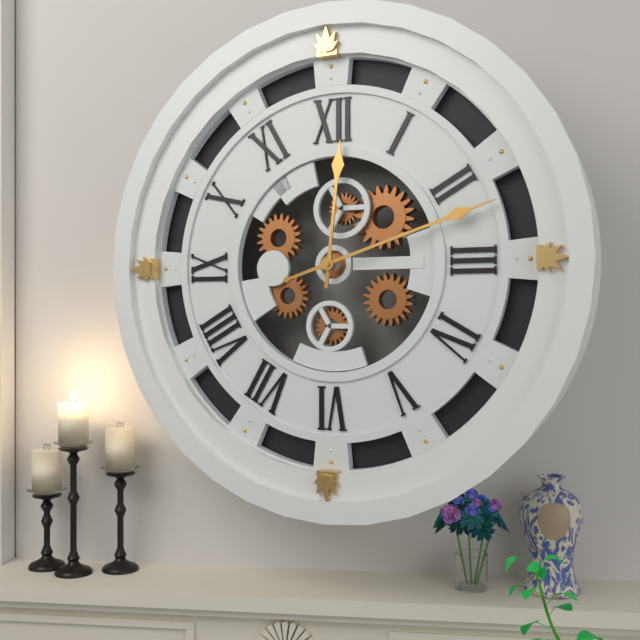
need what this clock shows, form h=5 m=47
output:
h=12 m=12
